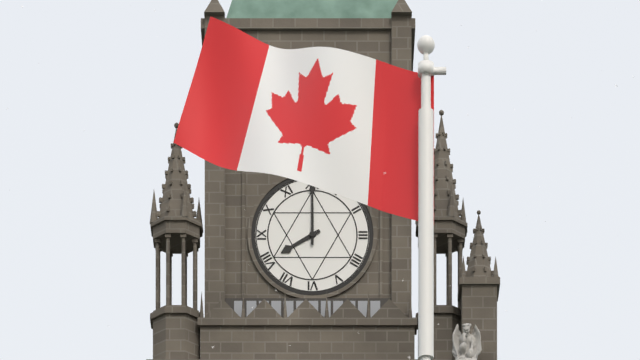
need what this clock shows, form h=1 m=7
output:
h=8 m=0
